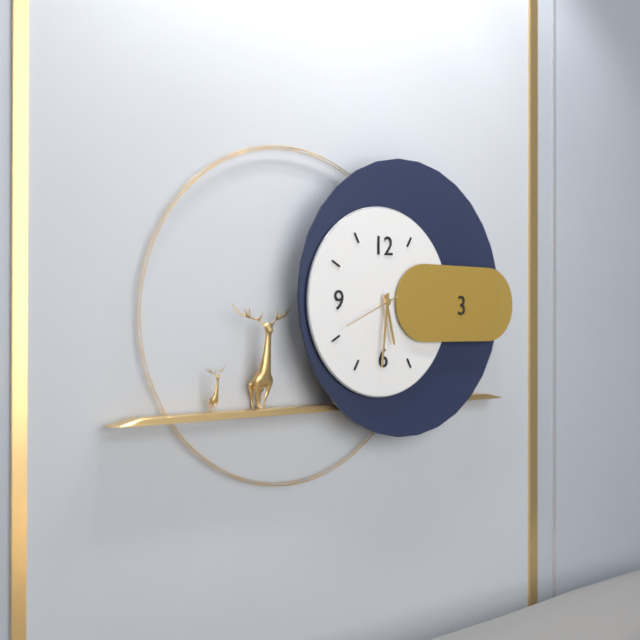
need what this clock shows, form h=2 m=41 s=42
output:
h=5 m=31 s=41
